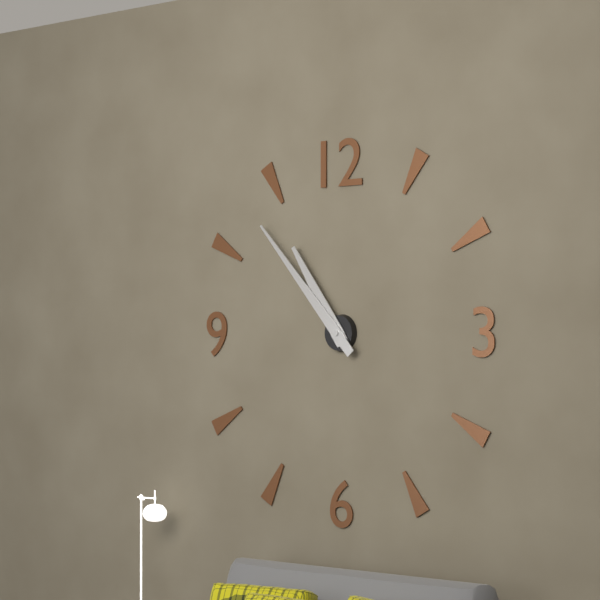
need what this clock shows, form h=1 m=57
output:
h=10 m=53
